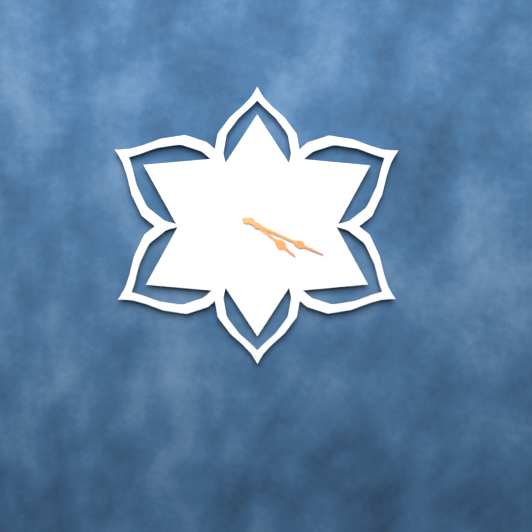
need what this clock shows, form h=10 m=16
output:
h=4 m=19
